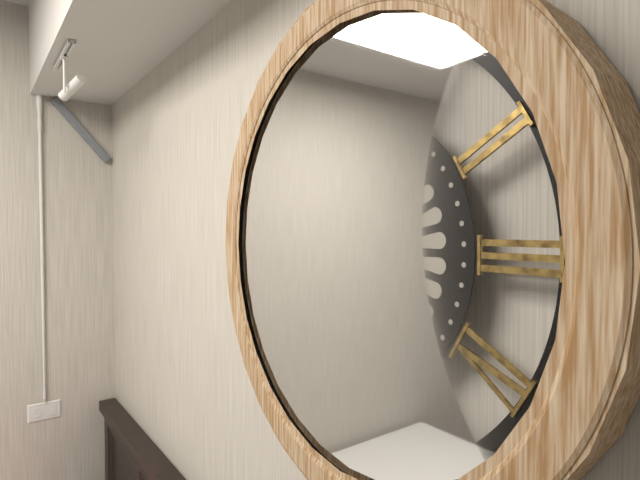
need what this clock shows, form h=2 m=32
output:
h=10 m=35
